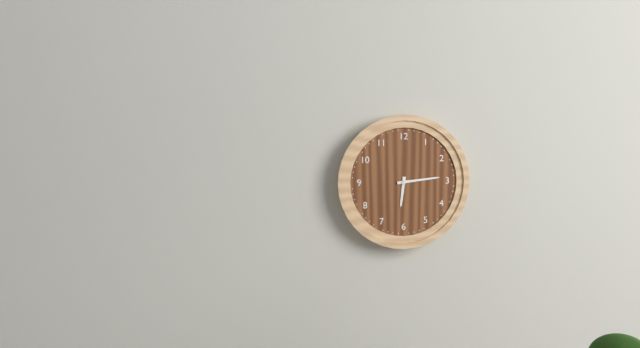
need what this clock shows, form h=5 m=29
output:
h=6 m=14
